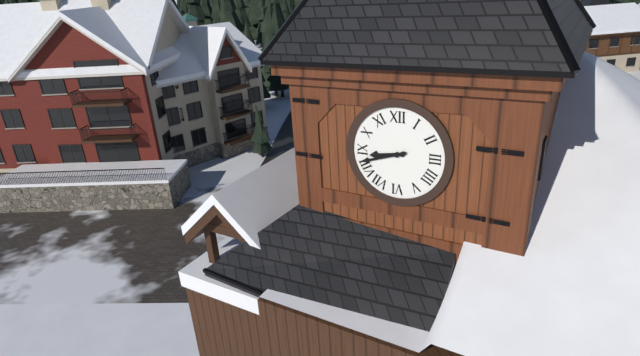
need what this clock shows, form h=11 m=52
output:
h=8 m=42
